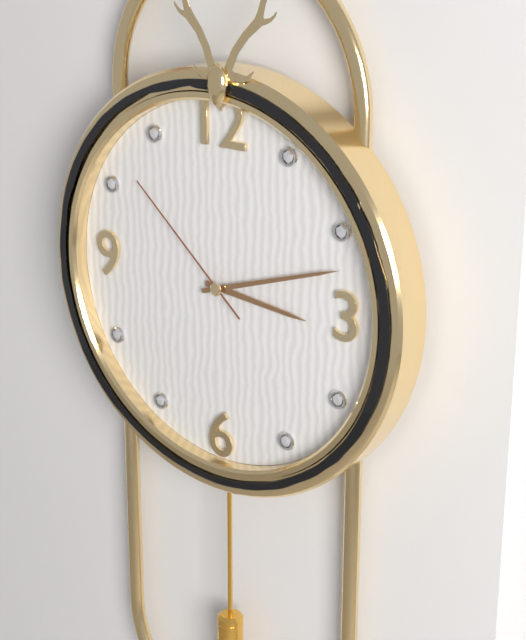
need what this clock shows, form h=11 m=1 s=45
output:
h=3 m=12 s=52
